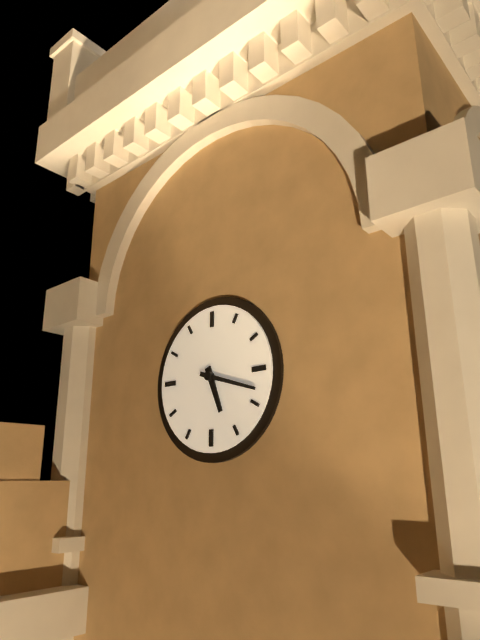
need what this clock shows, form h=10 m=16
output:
h=5 m=18
